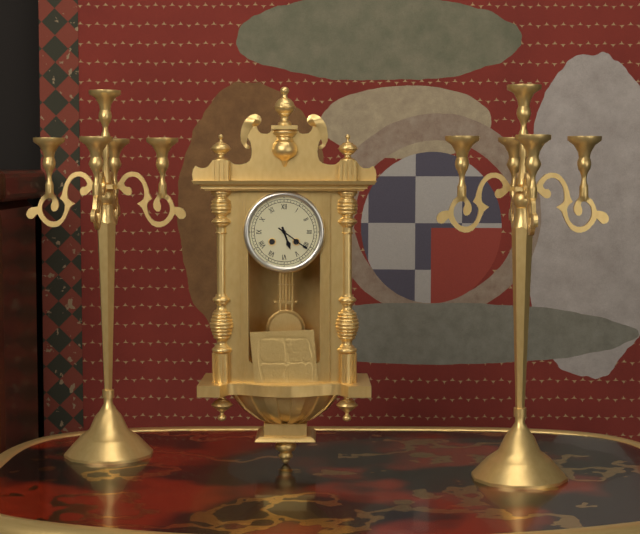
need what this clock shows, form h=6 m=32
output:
h=5 m=21
